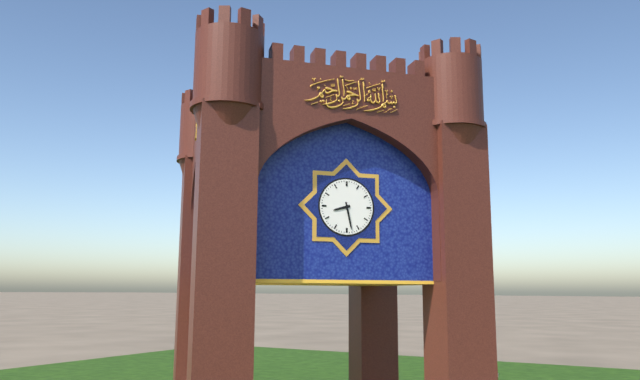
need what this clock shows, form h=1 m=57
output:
h=8 m=28
